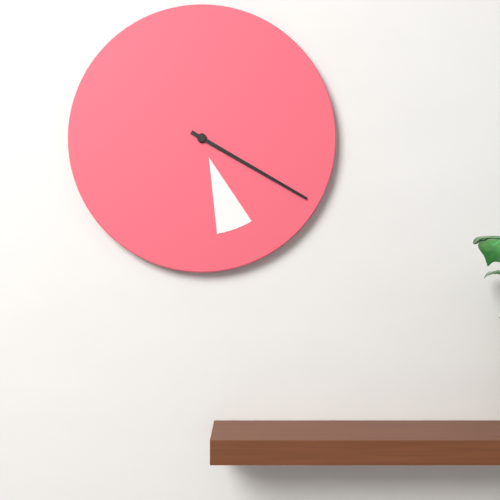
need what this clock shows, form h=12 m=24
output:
h=5 m=20
